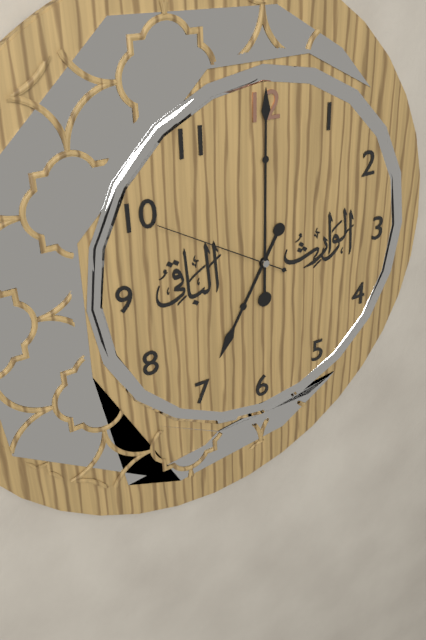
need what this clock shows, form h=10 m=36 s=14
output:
h=7 m=0 s=50
